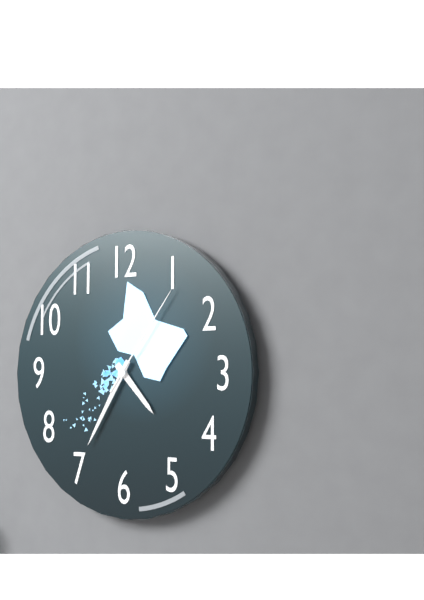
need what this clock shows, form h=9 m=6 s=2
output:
h=4 m=35 s=6
